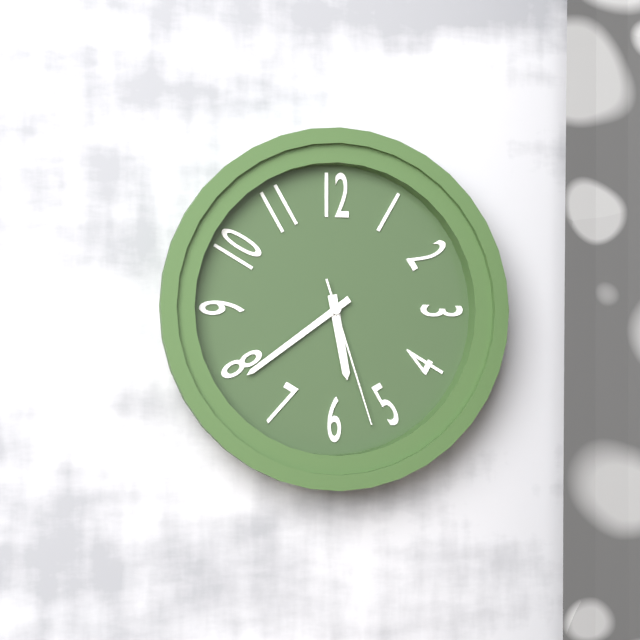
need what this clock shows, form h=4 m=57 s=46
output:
h=5 m=39 s=27
